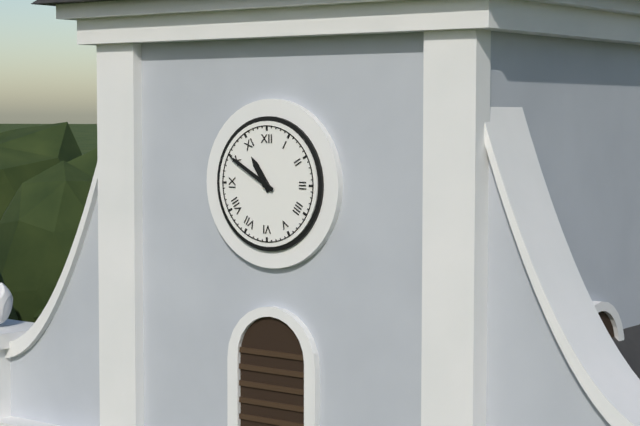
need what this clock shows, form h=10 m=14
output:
h=10 m=50
